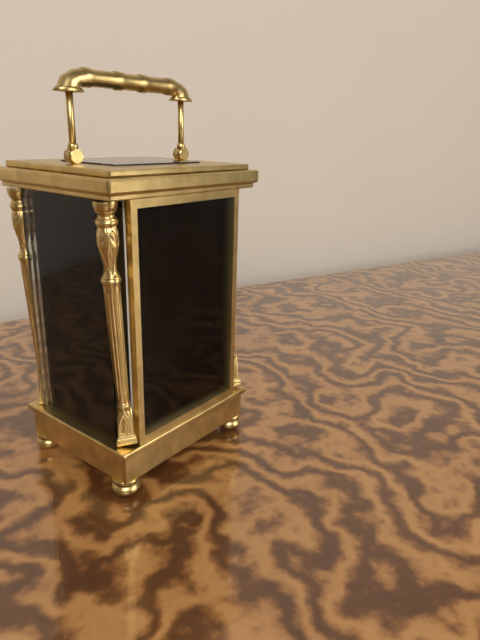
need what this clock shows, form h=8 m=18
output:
h=8 m=30
